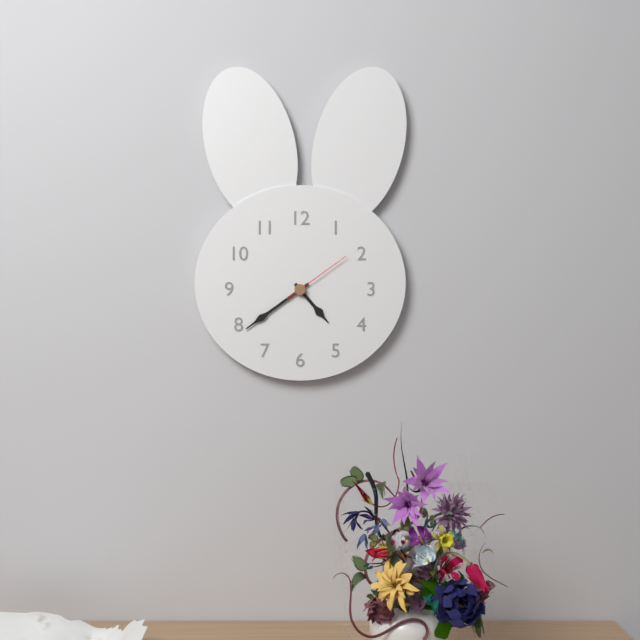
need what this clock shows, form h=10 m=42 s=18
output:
h=4 m=39 s=9
